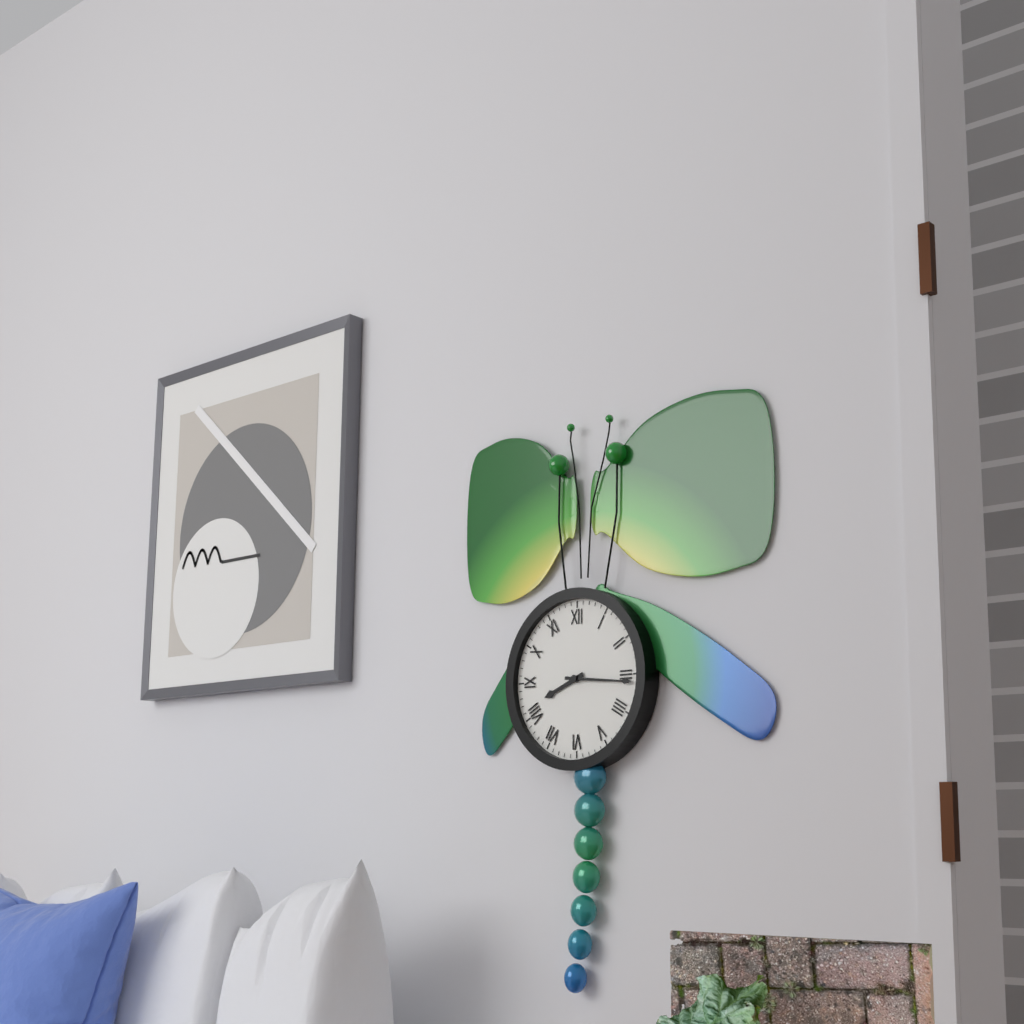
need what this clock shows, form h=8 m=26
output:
h=8 m=16
